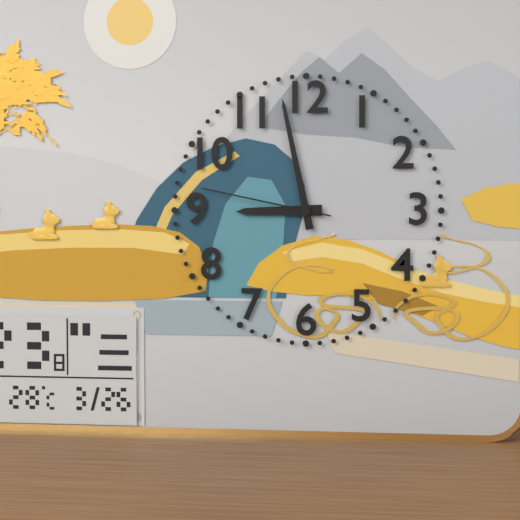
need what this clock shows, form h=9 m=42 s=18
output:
h=8 m=58 s=47
